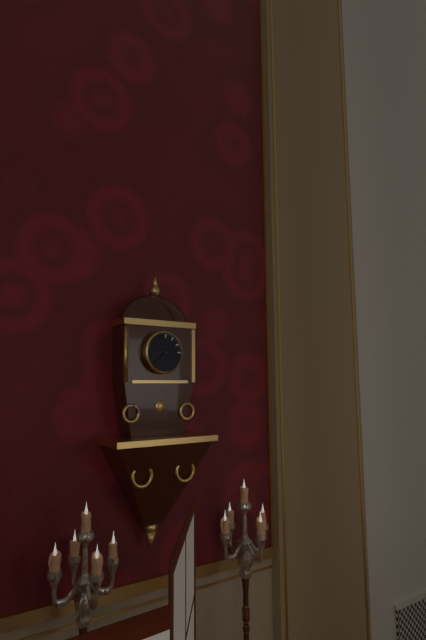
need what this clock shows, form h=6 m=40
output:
h=2 m=38
